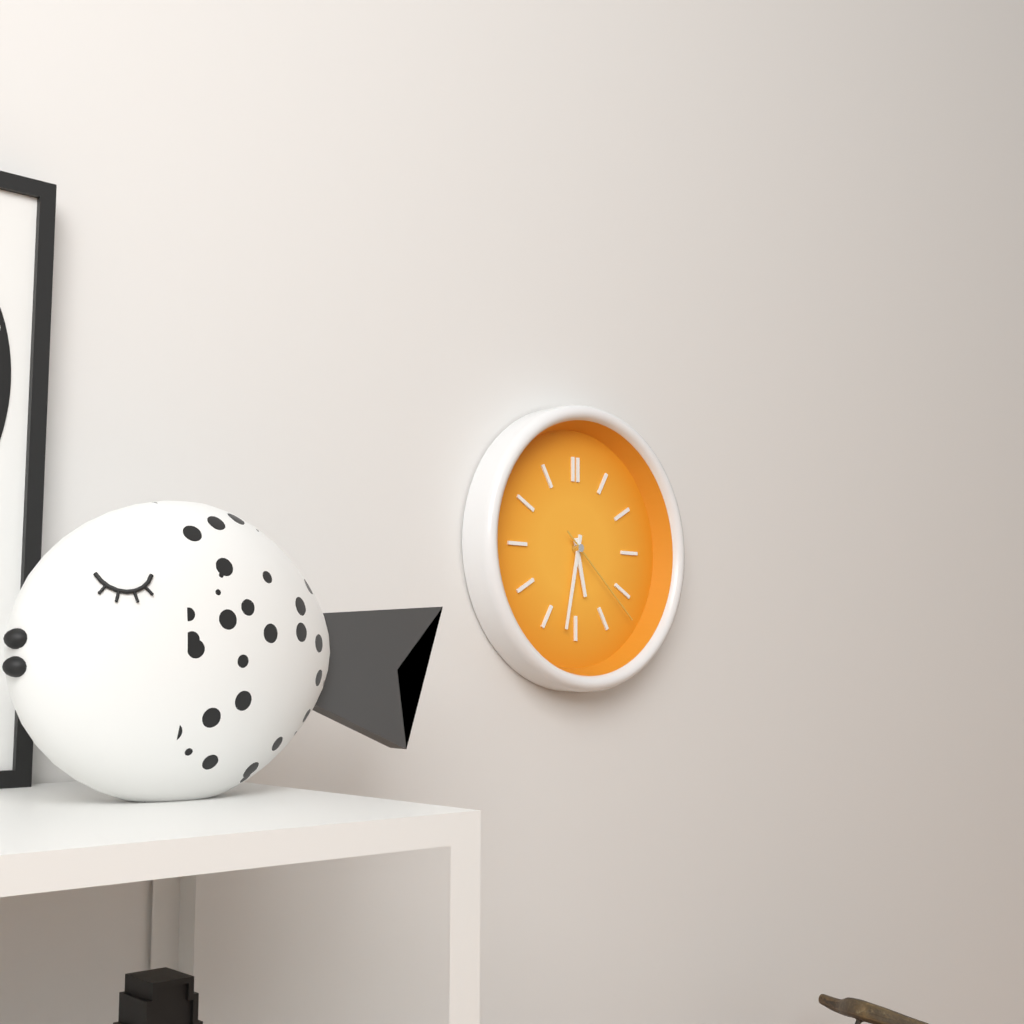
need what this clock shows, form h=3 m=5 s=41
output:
h=5 m=32 s=22
